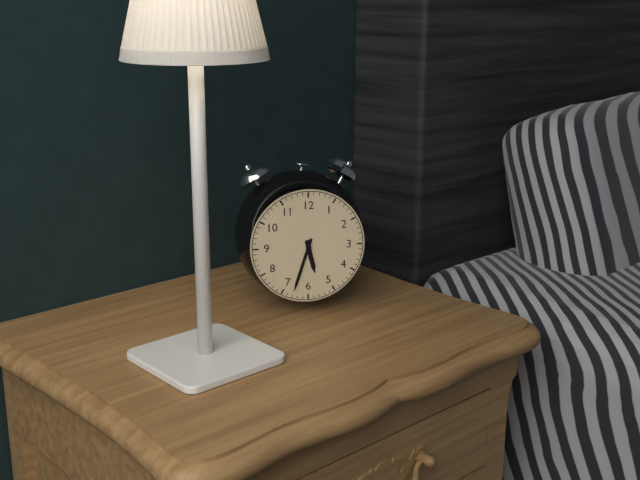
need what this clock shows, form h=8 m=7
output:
h=5 m=33
